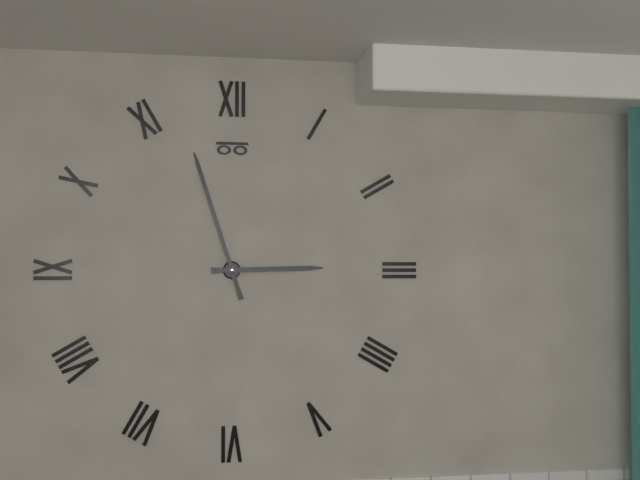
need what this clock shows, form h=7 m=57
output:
h=2 m=57
